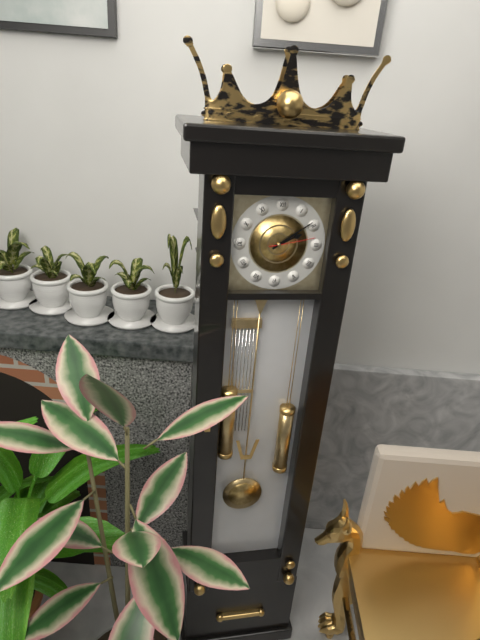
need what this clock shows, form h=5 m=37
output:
h=2 m=9
